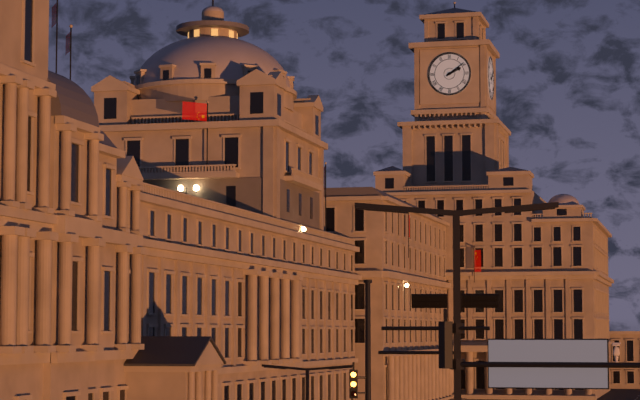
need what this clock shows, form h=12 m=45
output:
h=2 m=9
